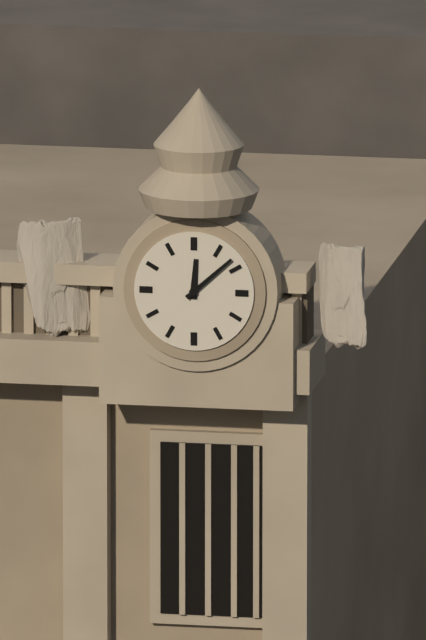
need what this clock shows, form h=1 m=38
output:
h=12 m=8
